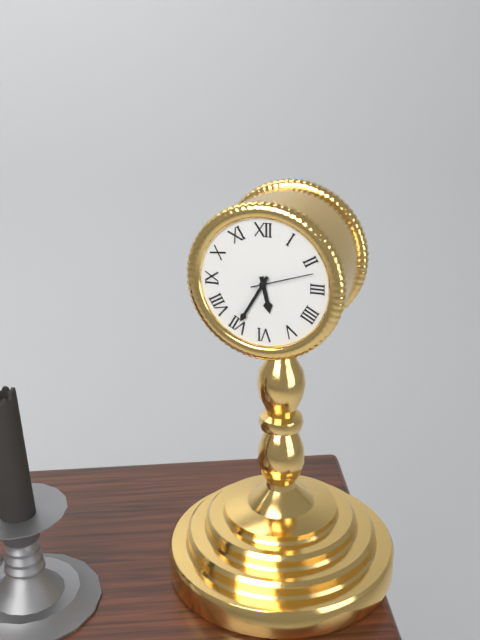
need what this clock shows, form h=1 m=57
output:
h=5 m=35
